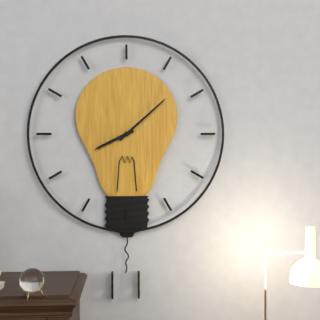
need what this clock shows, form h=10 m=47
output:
h=8 m=8
